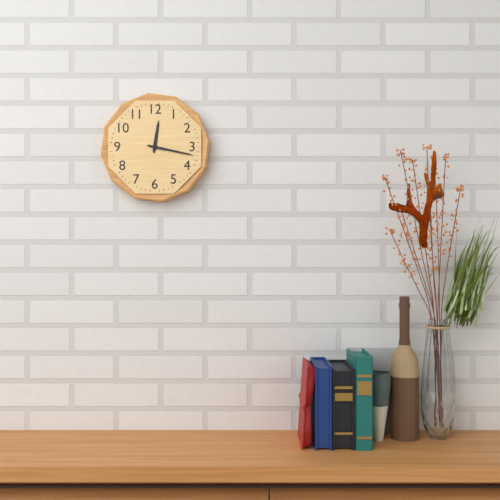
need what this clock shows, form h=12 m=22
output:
h=12 m=17
